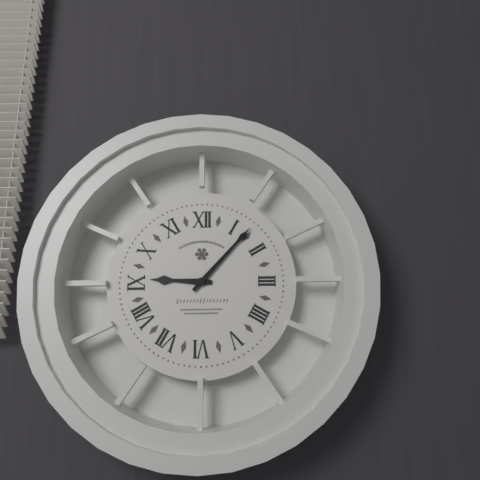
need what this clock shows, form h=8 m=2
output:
h=9 m=7
